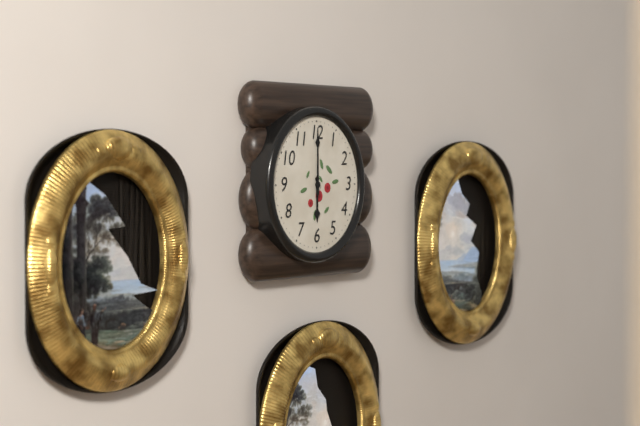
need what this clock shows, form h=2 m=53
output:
h=6 m=0
